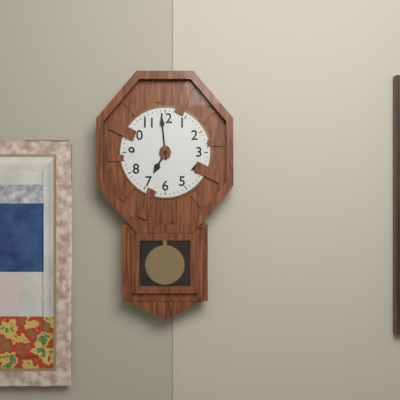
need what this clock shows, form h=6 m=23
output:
h=6 m=59
